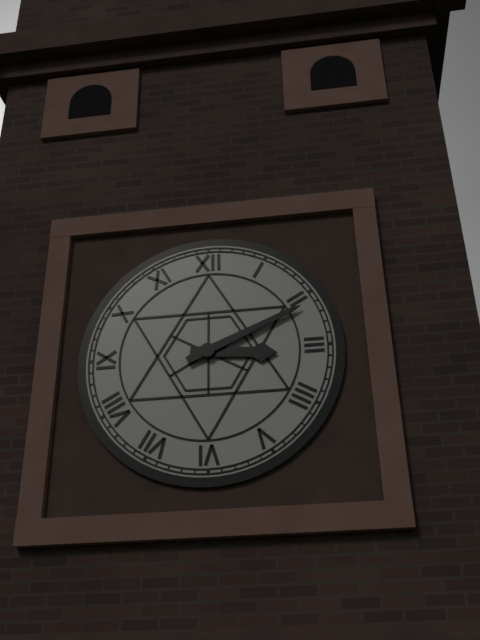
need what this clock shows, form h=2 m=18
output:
h=3 m=11
